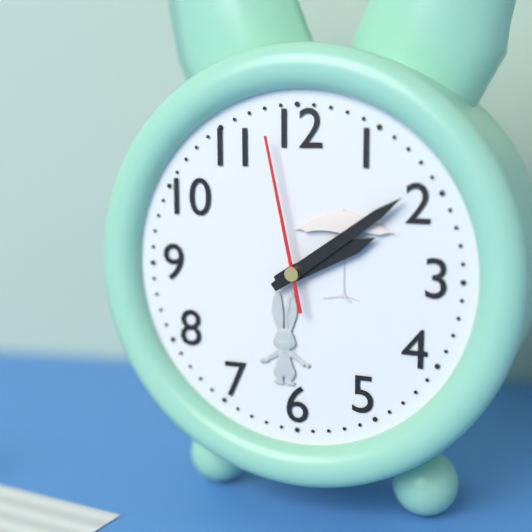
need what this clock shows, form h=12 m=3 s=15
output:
h=2 m=9 s=58
